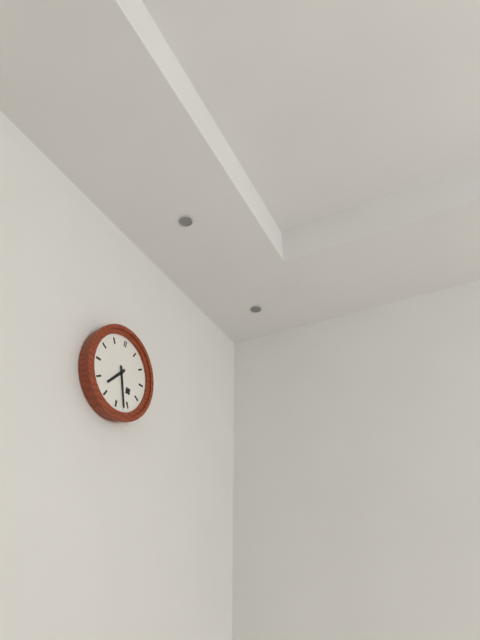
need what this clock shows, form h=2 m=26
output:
h=7 m=27
